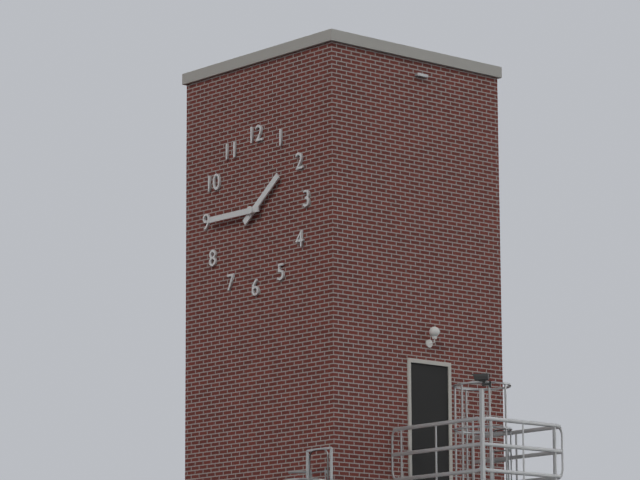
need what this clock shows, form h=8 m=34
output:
h=1 m=45
